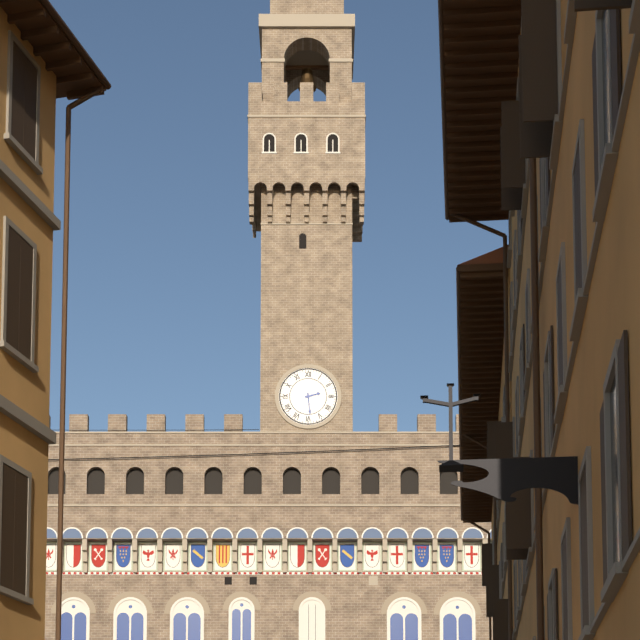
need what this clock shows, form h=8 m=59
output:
h=2 m=29
